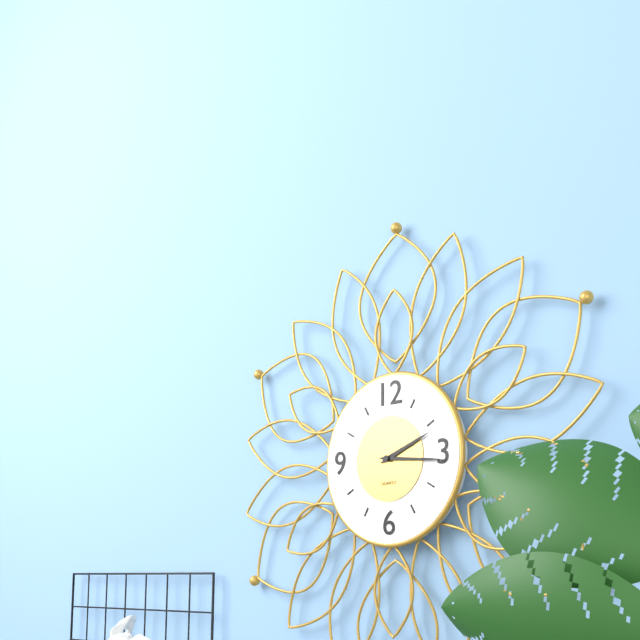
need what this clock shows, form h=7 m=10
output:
h=2 m=16
